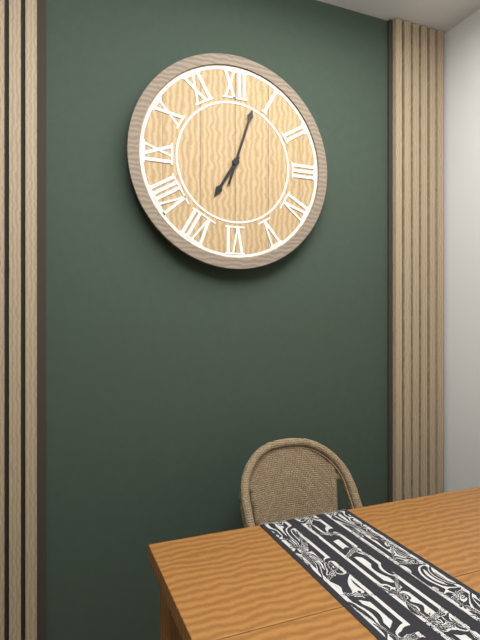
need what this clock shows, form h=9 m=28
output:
h=7 m=3
